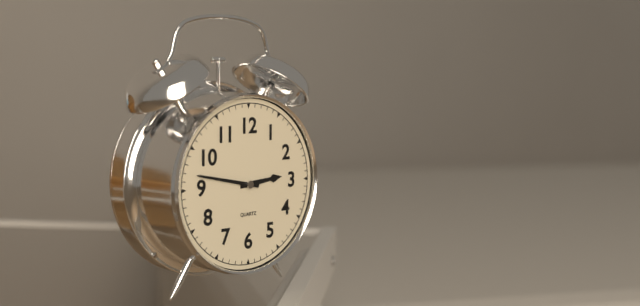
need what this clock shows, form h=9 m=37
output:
h=2 m=47
